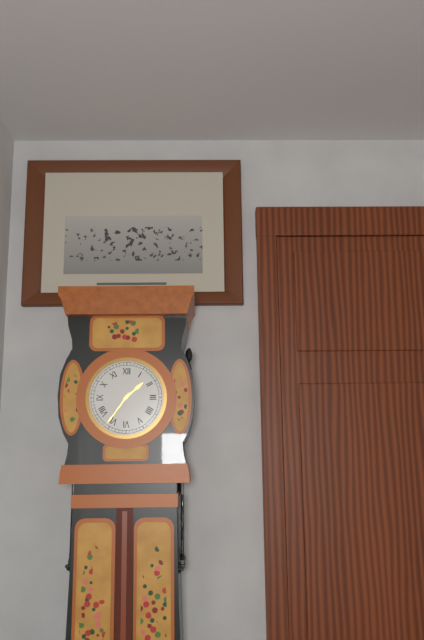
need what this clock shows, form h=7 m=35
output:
h=1 m=36
